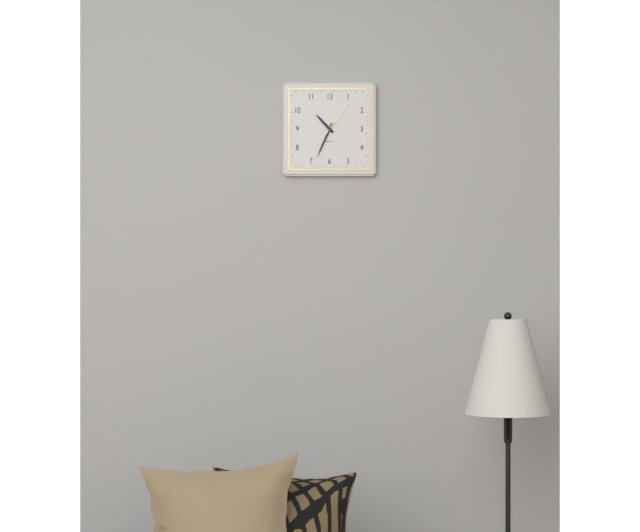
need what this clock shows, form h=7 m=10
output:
h=10 m=34
